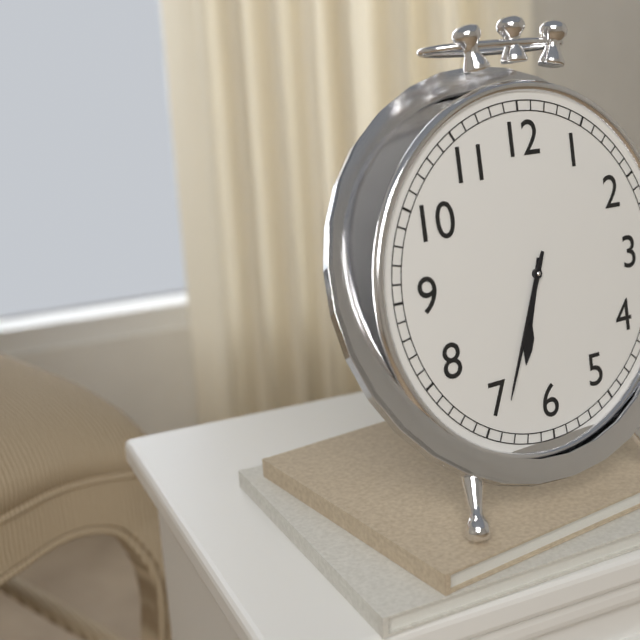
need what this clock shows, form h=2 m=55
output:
h=6 m=34
